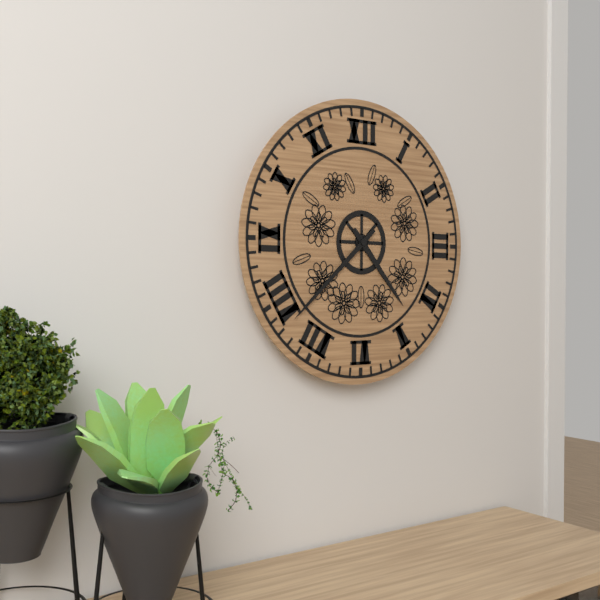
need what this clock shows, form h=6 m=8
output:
h=4 m=38
